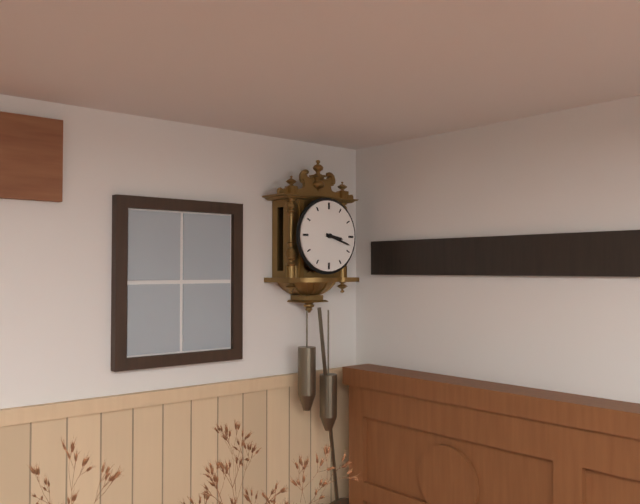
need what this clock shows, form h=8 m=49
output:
h=3 m=18
